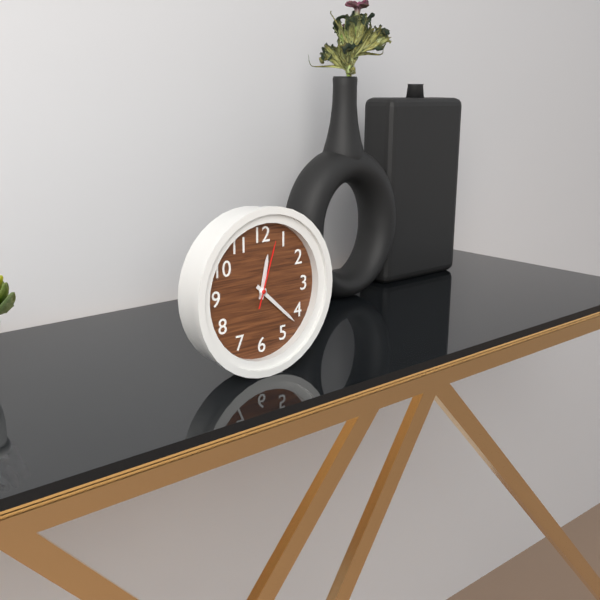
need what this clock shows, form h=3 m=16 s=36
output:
h=12 m=22 s=3
